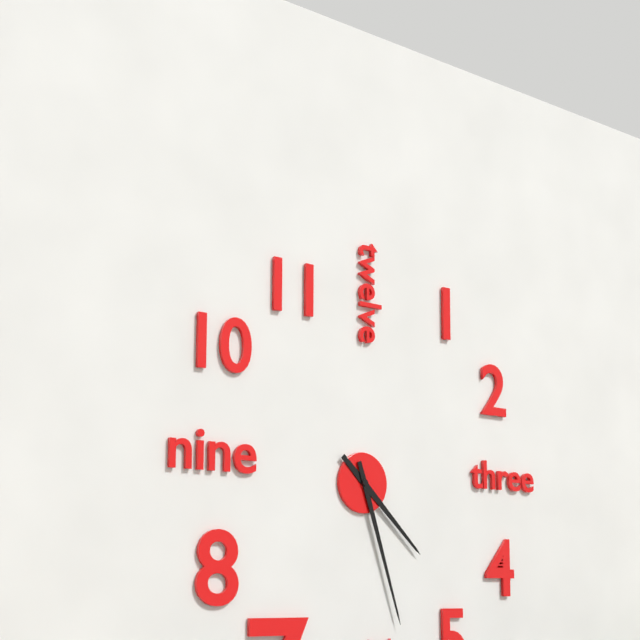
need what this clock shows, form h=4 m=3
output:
h=4 m=27
